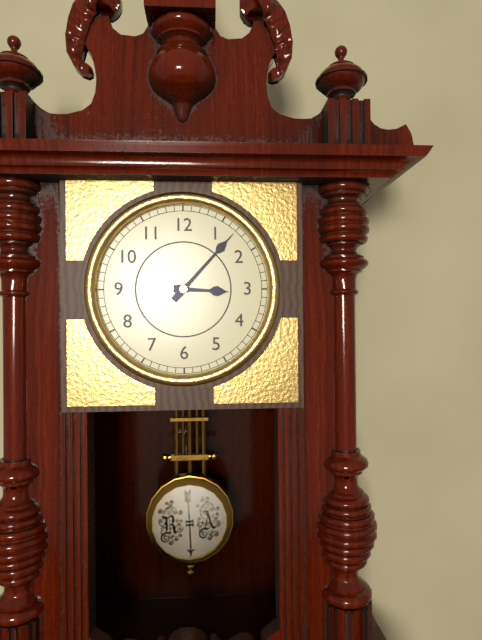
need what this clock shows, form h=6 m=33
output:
h=3 m=7
